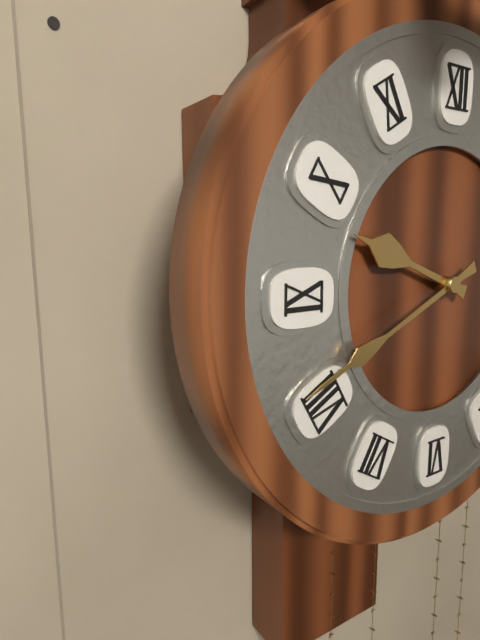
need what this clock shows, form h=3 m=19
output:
h=9 m=41
